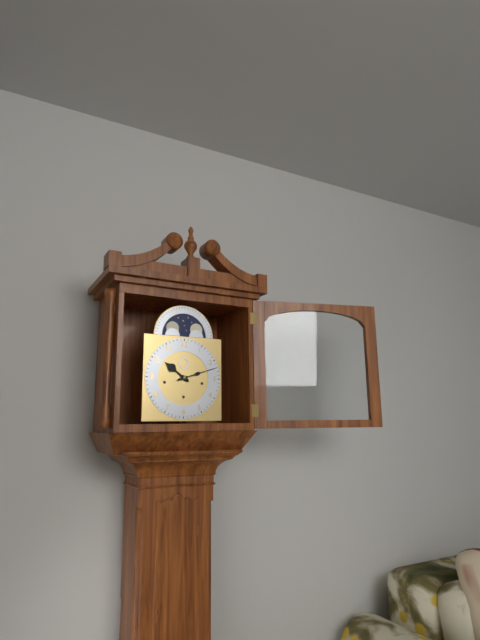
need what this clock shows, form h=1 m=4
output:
h=10 m=12
